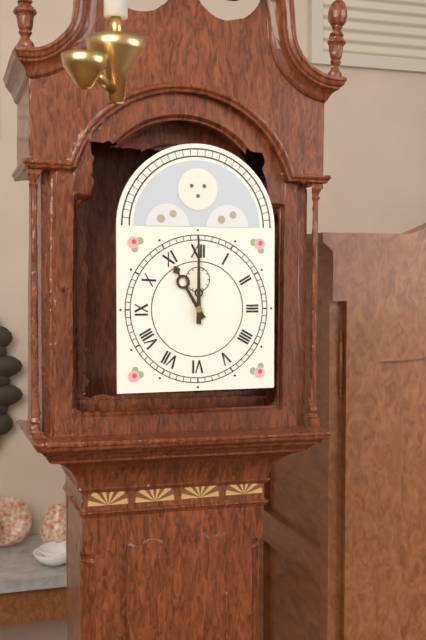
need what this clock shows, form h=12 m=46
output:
h=11 m=0
